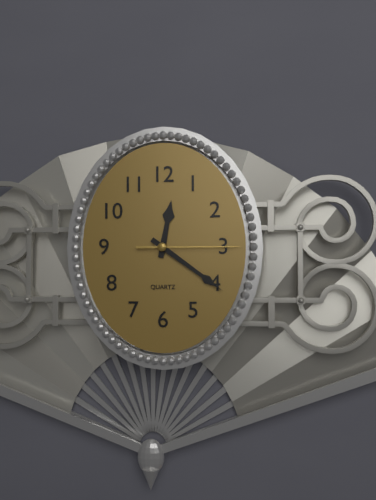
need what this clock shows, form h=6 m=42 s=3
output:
h=12 m=21 s=15
